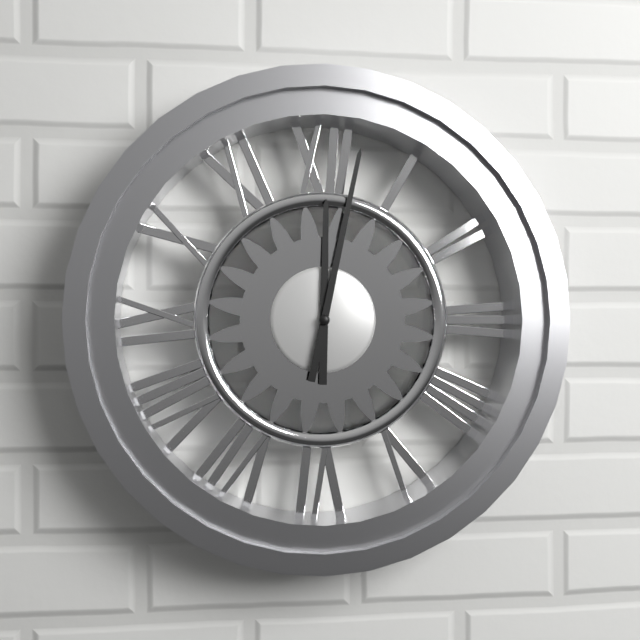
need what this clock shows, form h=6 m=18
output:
h=12 m=2
